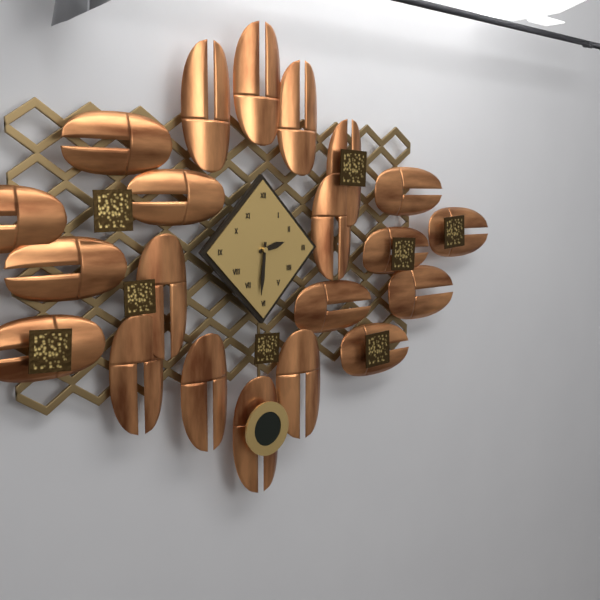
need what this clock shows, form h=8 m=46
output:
h=2 m=31
